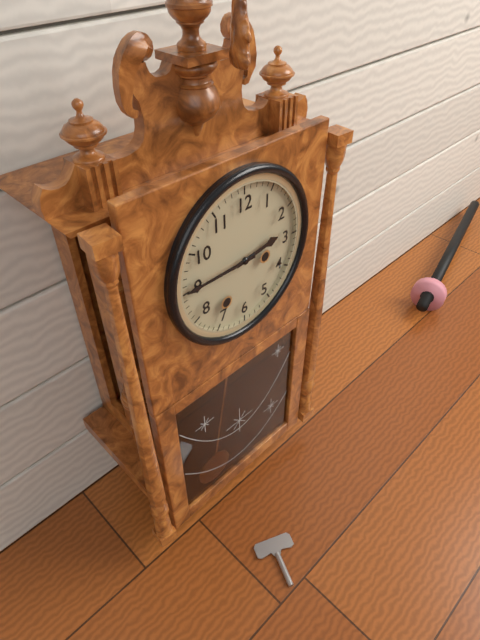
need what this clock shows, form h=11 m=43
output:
h=2 m=45
